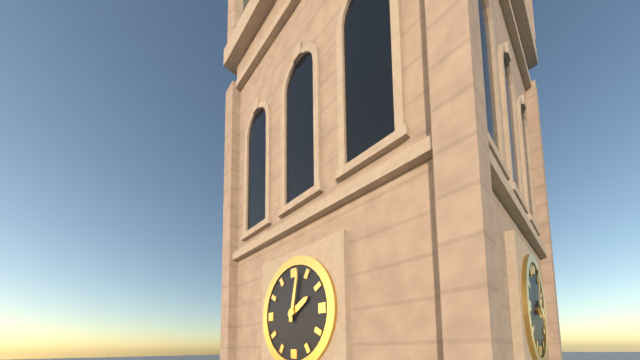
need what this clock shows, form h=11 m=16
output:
h=2 m=2
